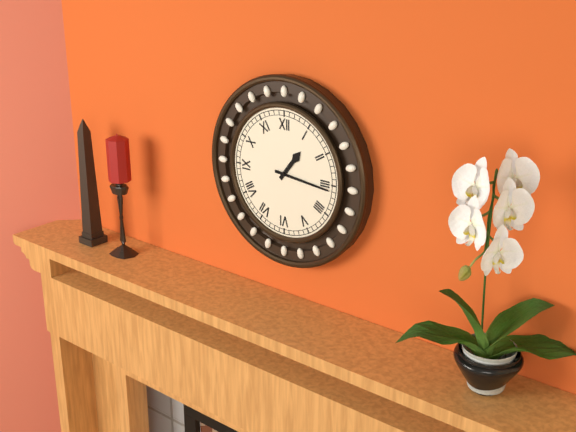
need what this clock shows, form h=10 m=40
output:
h=1 m=16
